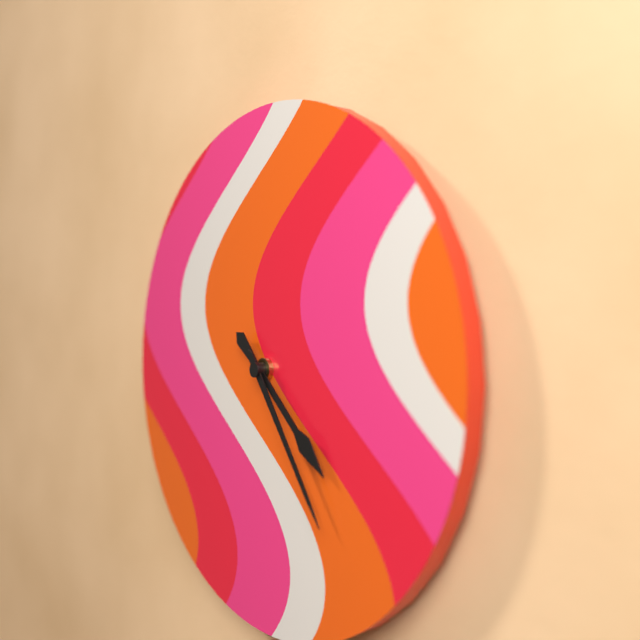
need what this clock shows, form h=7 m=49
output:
h=4 m=24
